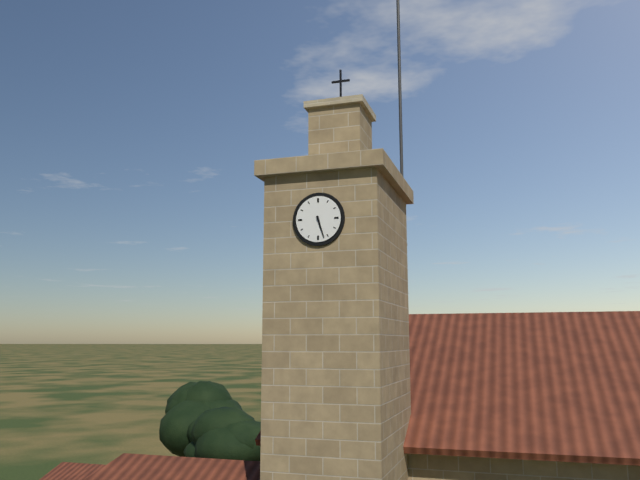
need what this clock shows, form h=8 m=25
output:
h=5 m=27
